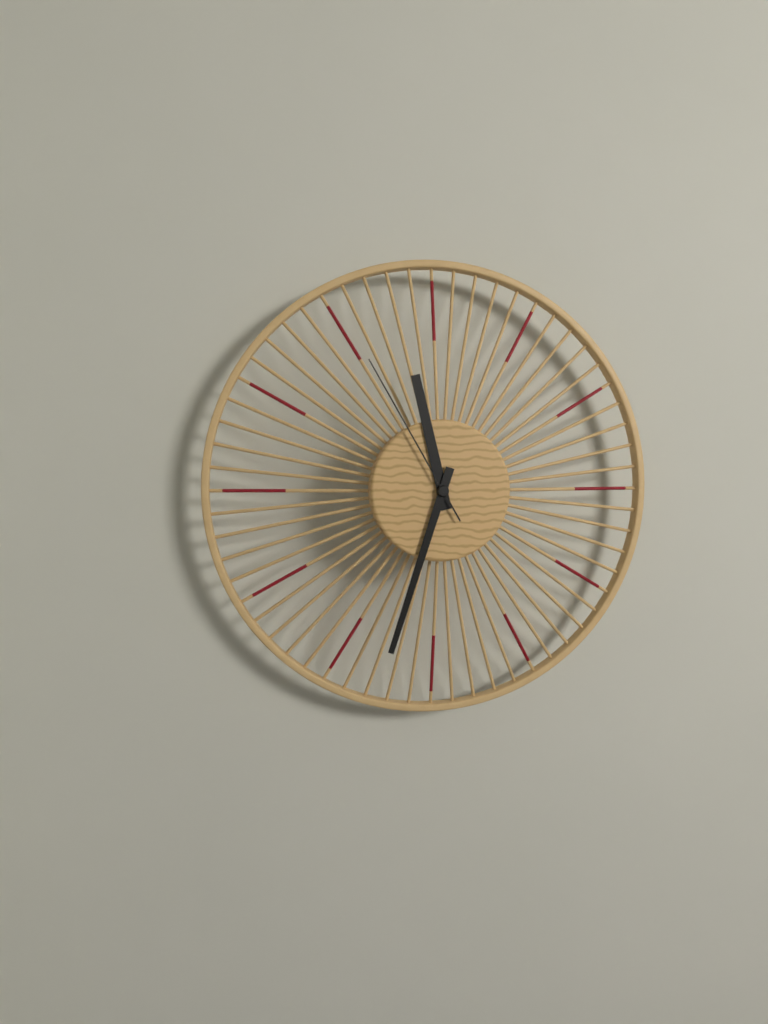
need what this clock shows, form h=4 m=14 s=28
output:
h=11 m=33 s=55
